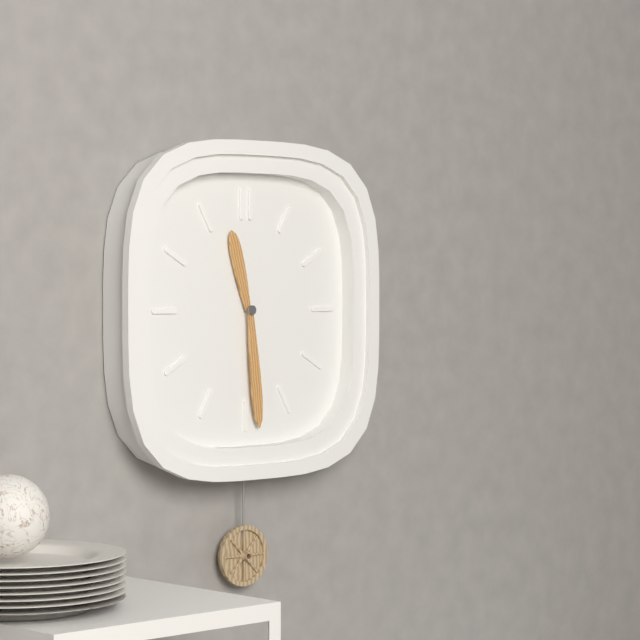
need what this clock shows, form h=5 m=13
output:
h=11 m=29
